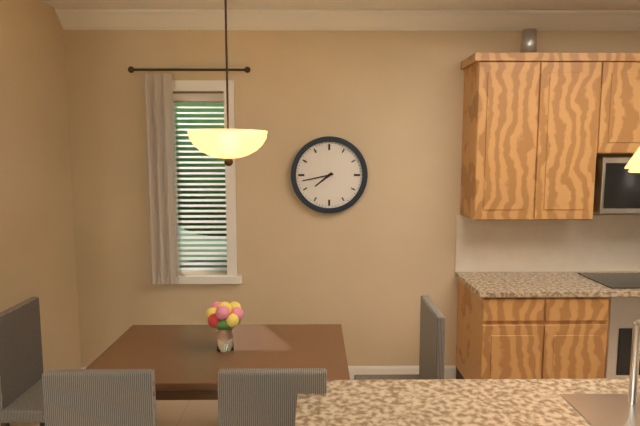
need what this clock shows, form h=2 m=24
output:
h=7 m=43
